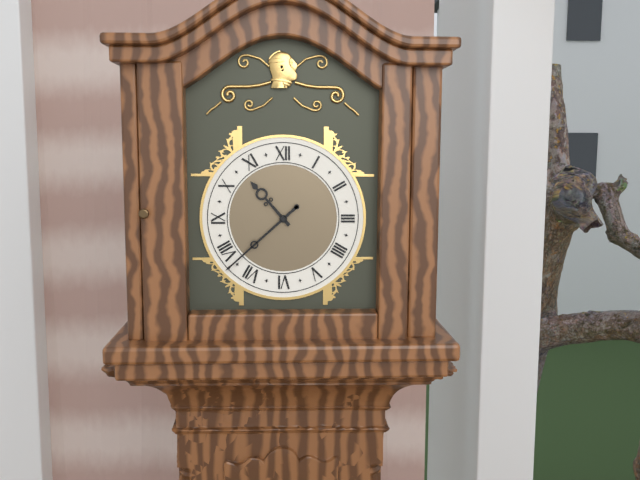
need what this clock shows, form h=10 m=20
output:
h=10 m=38
